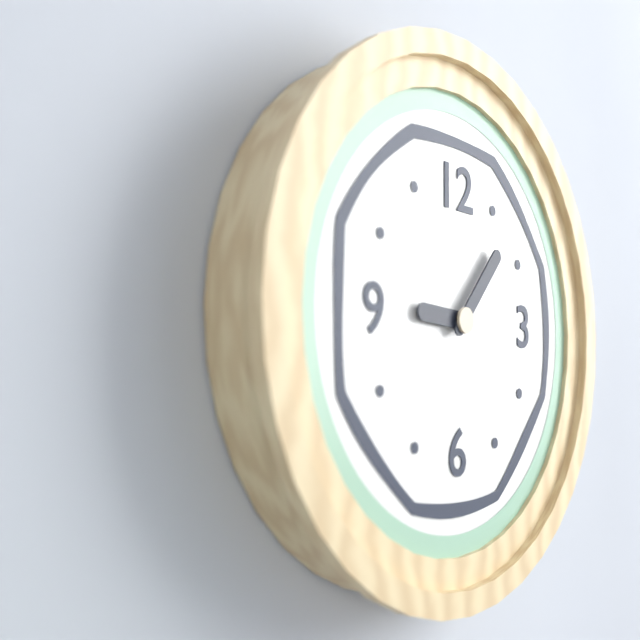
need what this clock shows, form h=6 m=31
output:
h=9 m=7
